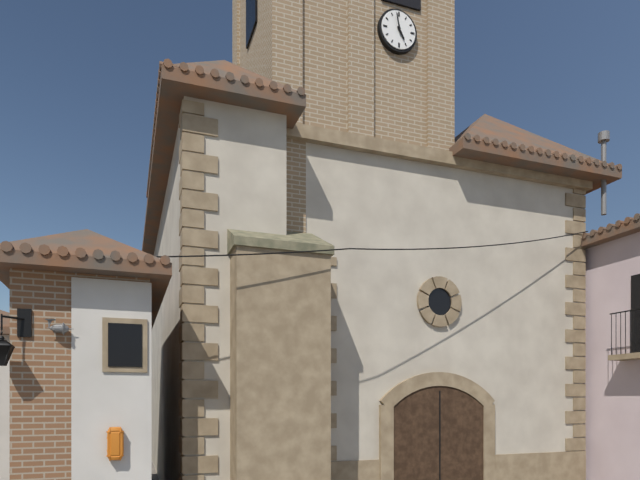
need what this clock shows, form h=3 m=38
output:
h=4 m=58
